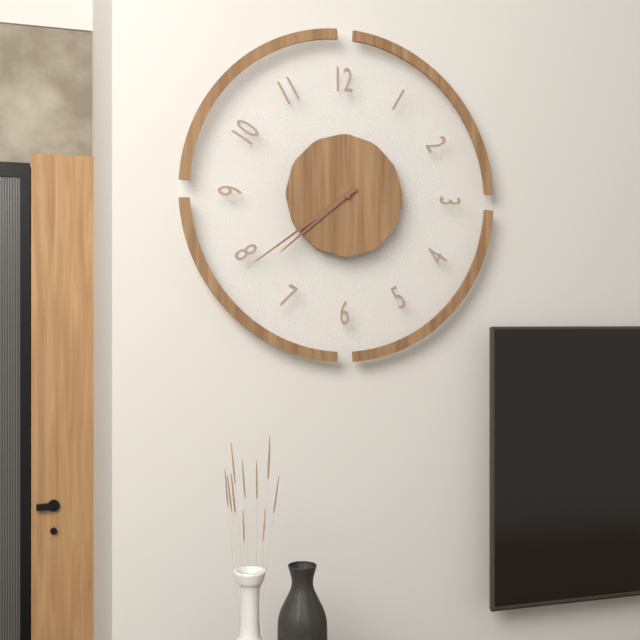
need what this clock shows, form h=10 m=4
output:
h=7 m=39
